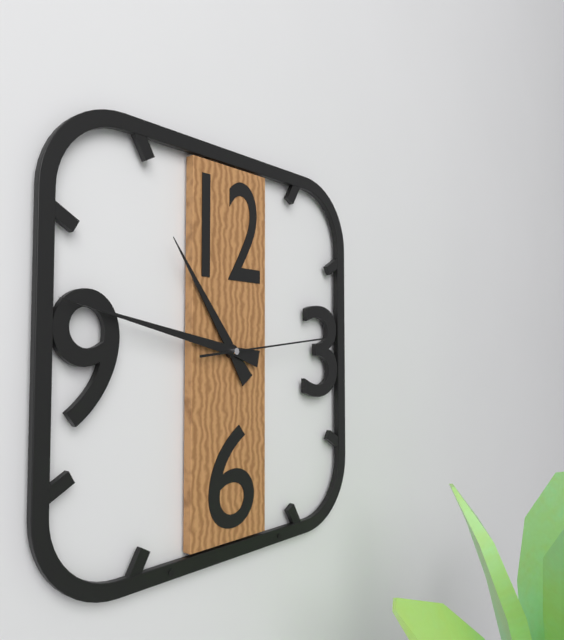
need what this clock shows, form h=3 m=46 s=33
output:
h=10 m=47 s=14
